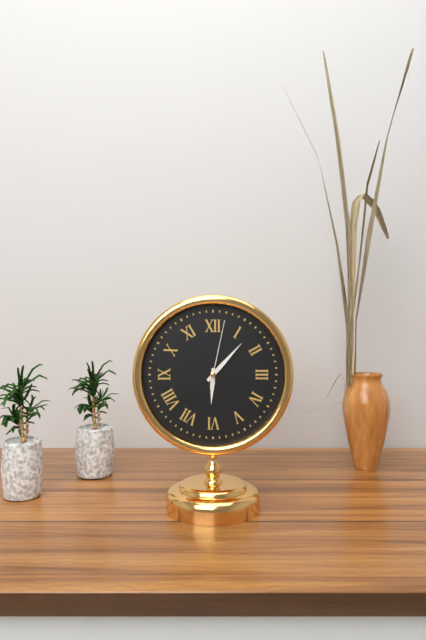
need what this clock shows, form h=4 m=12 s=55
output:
h=6 m=7 s=2
